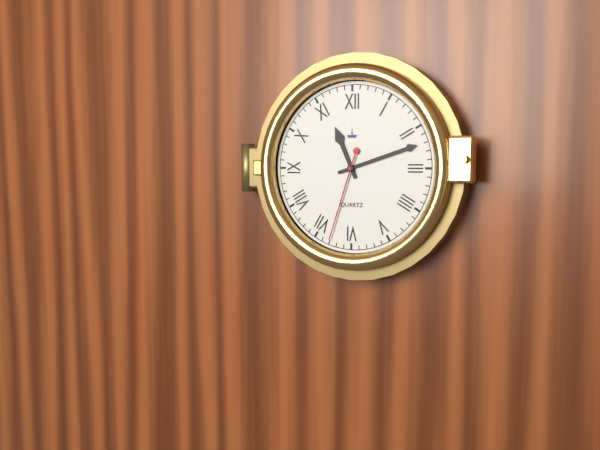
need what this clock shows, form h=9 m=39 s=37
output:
h=11 m=12 s=33
